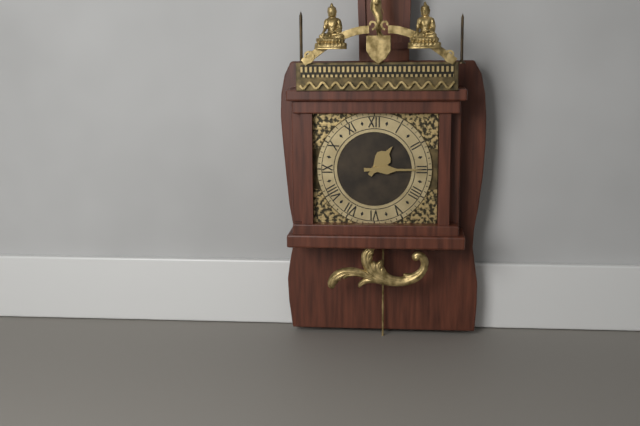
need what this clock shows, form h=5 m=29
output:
h=1 m=15
